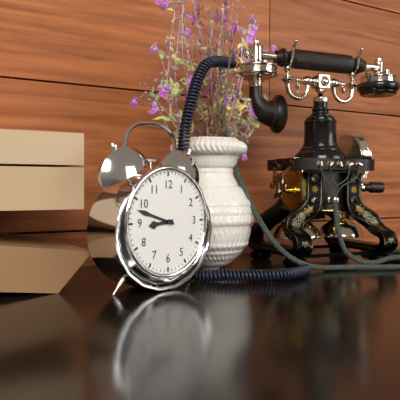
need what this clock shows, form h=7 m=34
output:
h=8 m=48
